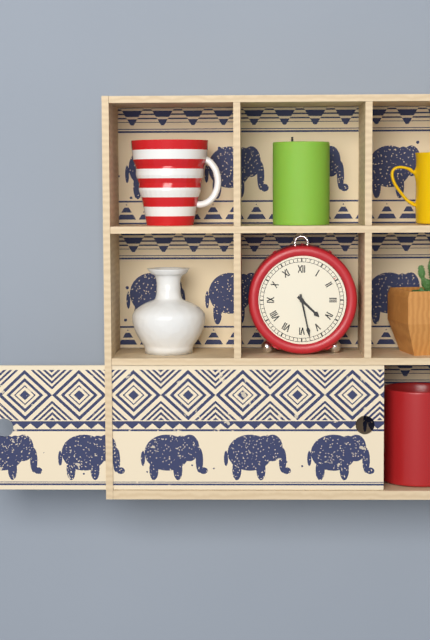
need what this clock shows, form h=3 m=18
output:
h=4 m=28
